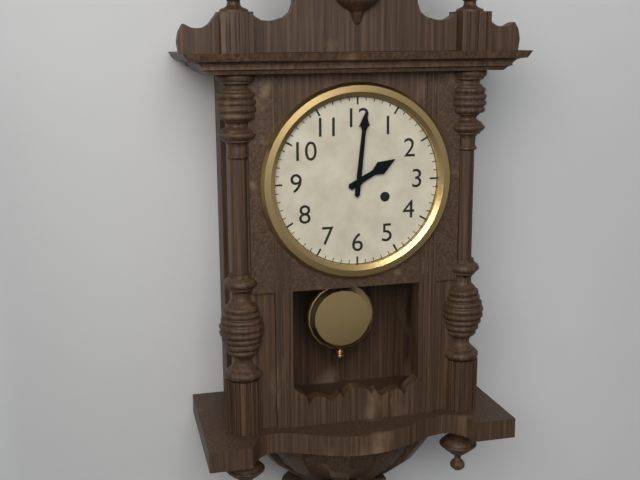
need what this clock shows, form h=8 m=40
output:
h=2 m=1
